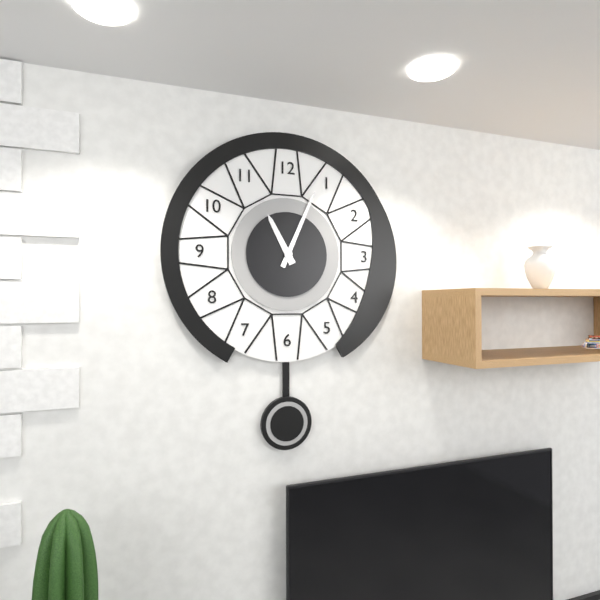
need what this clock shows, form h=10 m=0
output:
h=11 m=4
